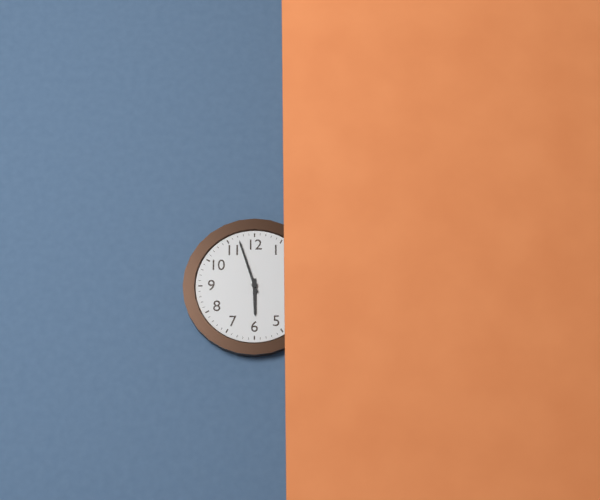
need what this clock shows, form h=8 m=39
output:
h=5 m=57
